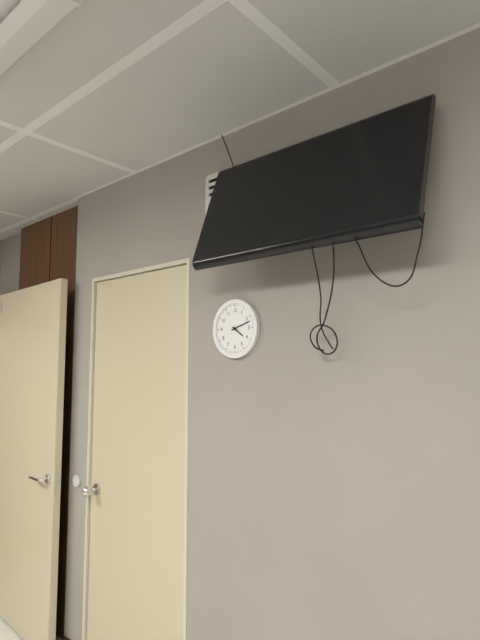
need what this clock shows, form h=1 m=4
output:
h=4 m=12
